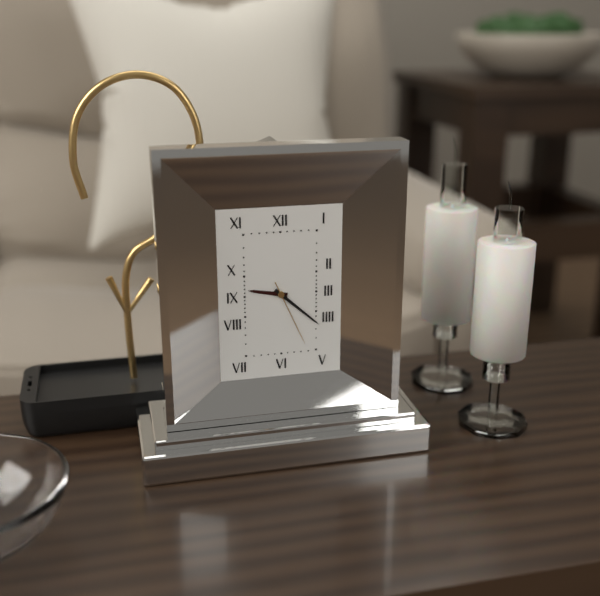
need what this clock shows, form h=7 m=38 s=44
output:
h=9 m=22 s=26
